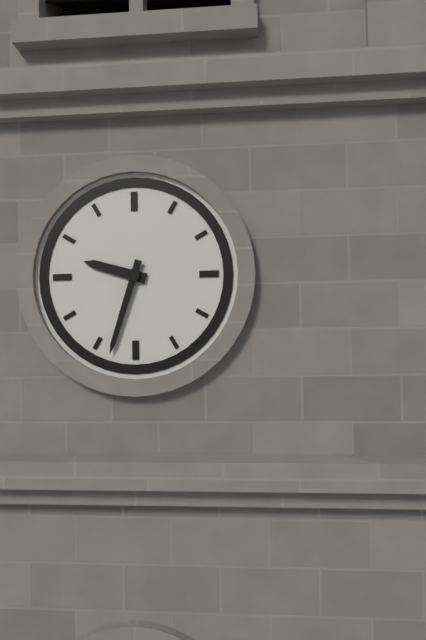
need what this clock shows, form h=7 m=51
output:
h=9 m=33
